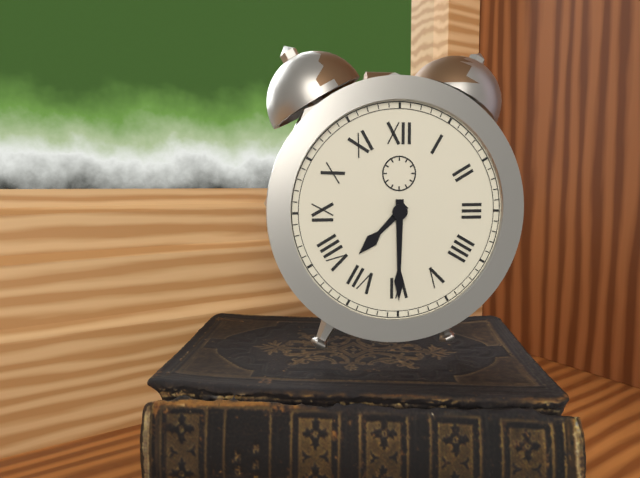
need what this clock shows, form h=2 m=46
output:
h=7 m=30
